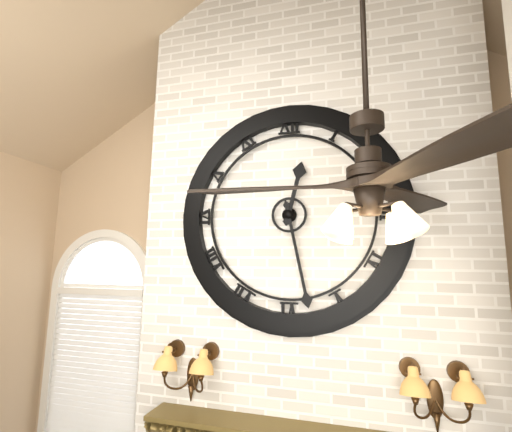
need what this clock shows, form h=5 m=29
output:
h=12 m=28
